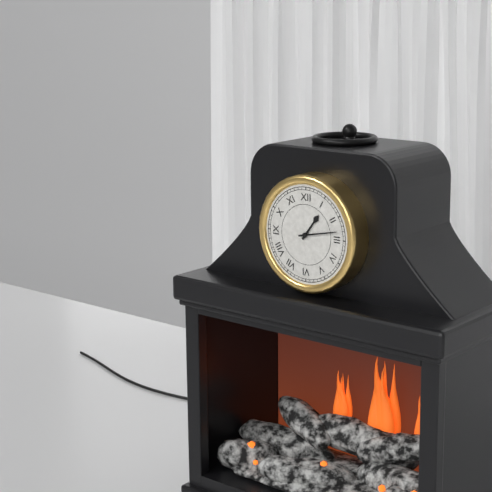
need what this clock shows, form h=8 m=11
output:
h=1 m=13
